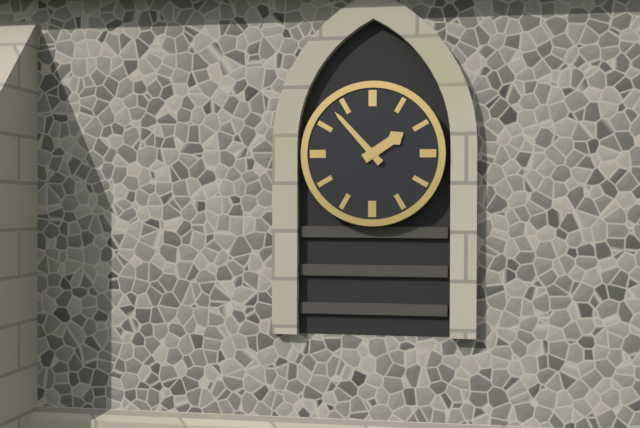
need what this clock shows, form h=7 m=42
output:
h=1 m=53
